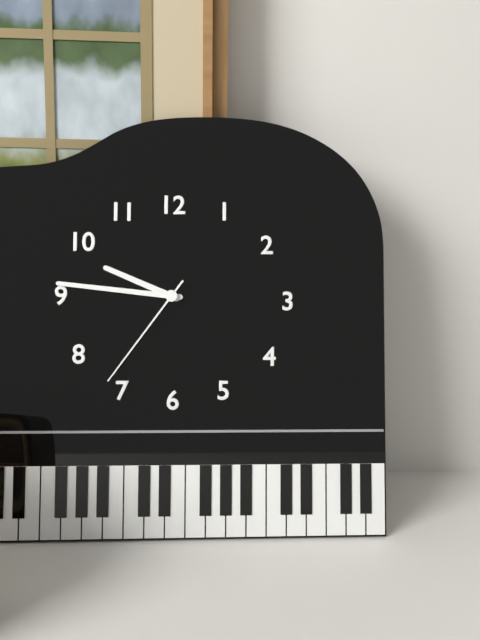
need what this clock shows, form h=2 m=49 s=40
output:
h=9 m=46 s=36
